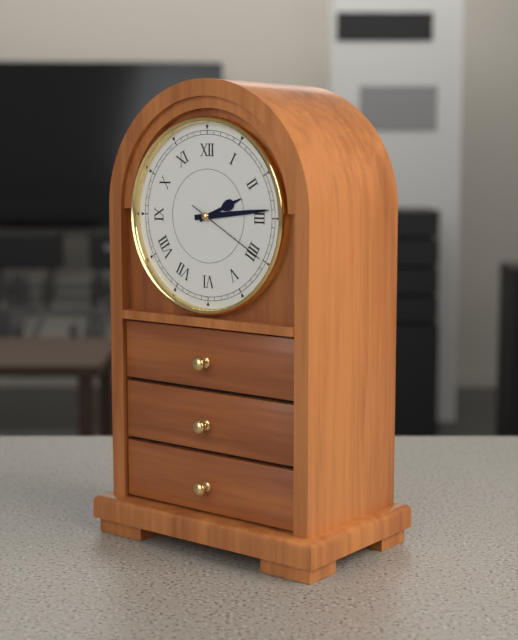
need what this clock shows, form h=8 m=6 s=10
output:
h=2 m=14 s=20
